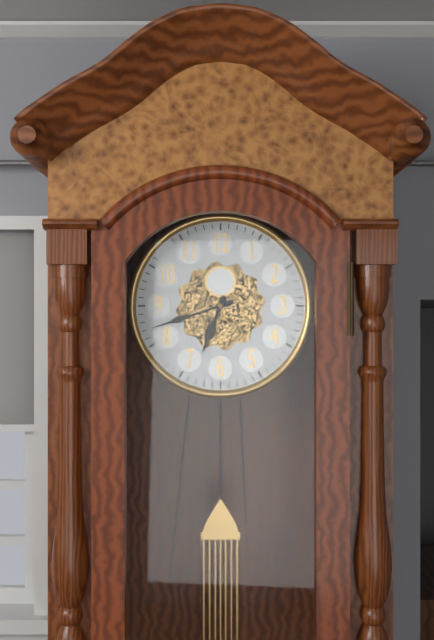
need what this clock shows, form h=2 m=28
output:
h=6 m=42
